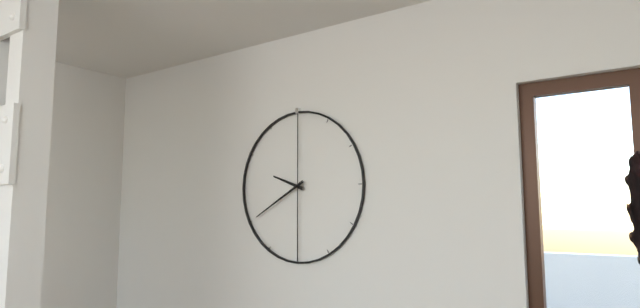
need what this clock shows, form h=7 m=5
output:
h=9 m=40
